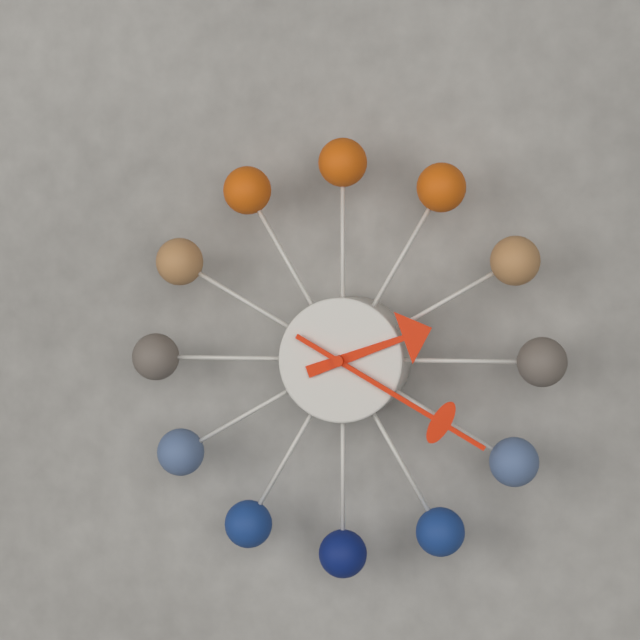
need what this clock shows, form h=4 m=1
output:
h=2 m=20
